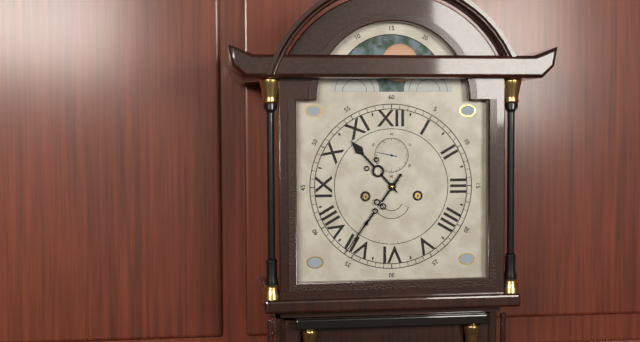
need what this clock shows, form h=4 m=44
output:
h=10 m=36
